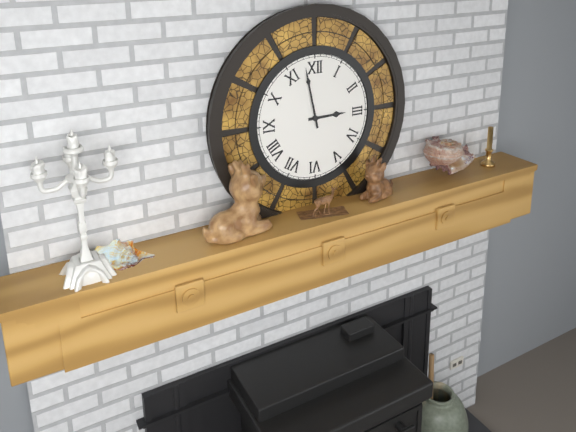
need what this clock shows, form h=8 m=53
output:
h=2 m=58
